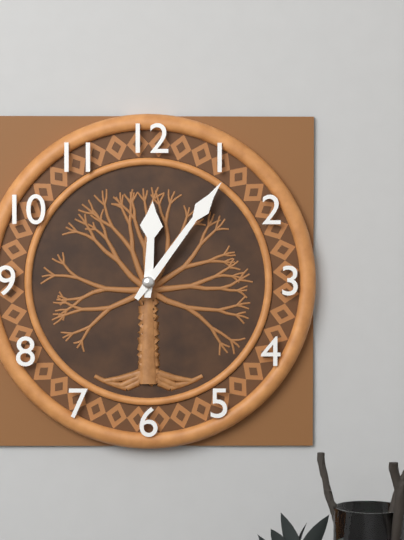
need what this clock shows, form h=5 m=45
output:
h=12 m=6
